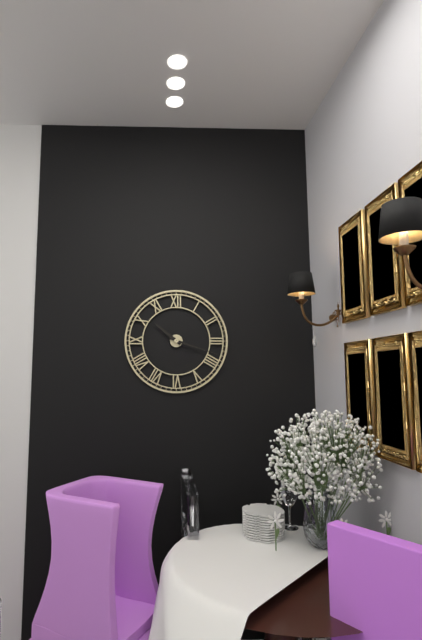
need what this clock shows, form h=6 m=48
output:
h=10 m=18
